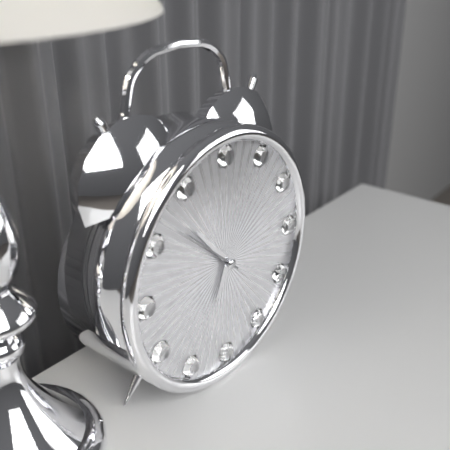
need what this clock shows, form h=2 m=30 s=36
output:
h=6 m=53 s=52
